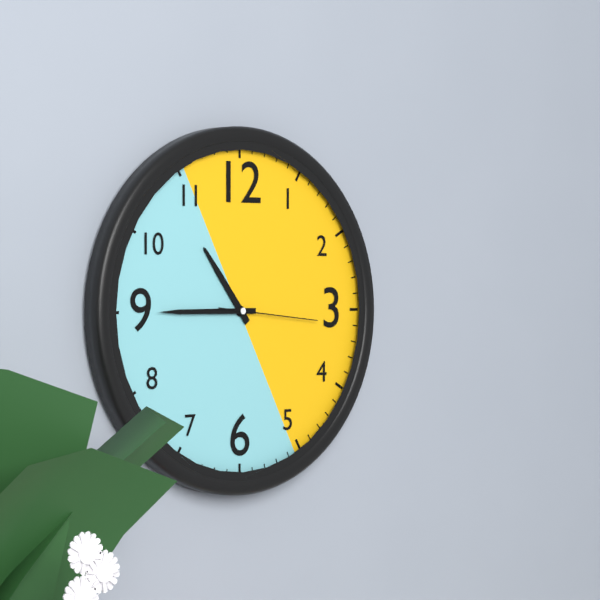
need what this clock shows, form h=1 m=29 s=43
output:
h=10 m=45 s=16
